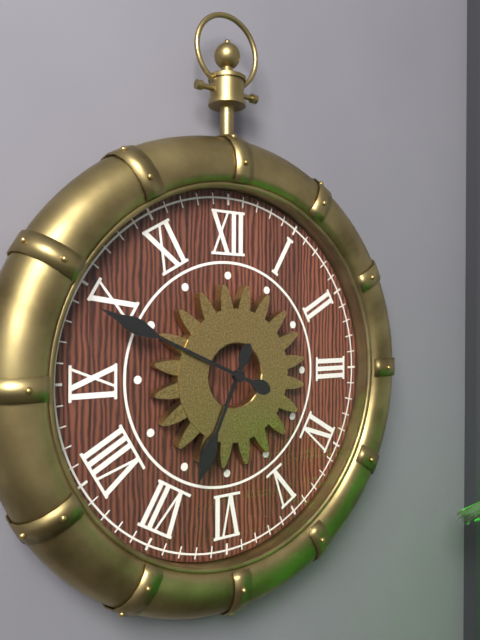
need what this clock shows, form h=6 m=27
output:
h=6 m=49
